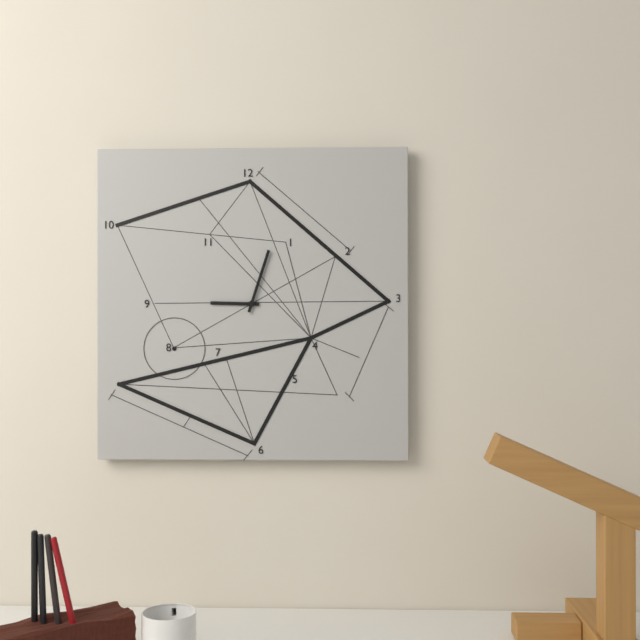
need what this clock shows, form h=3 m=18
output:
h=9 m=3
